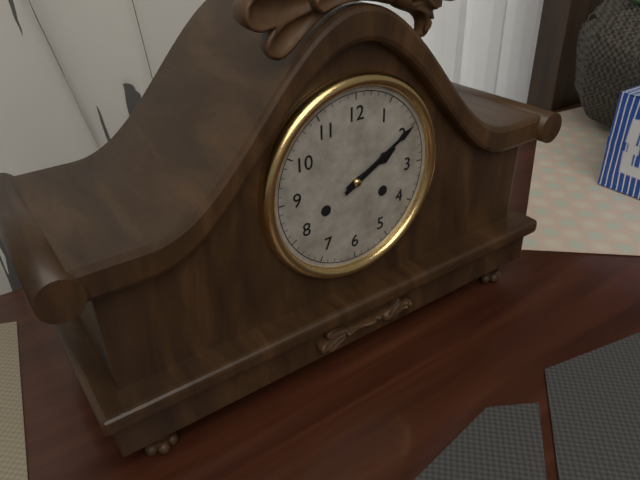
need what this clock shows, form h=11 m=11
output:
h=2 m=10
